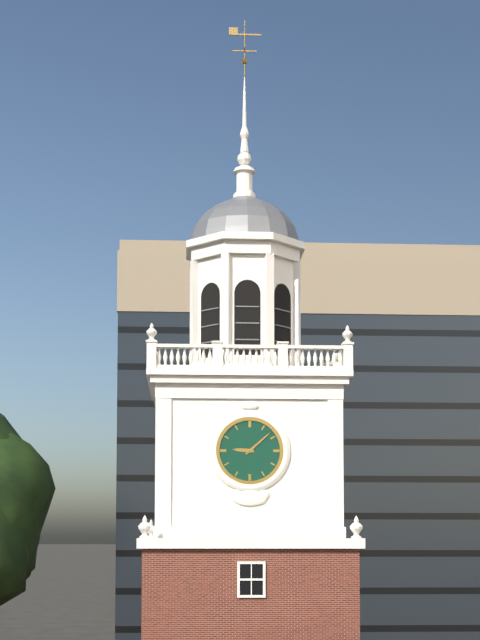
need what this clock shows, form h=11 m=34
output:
h=9 m=8
